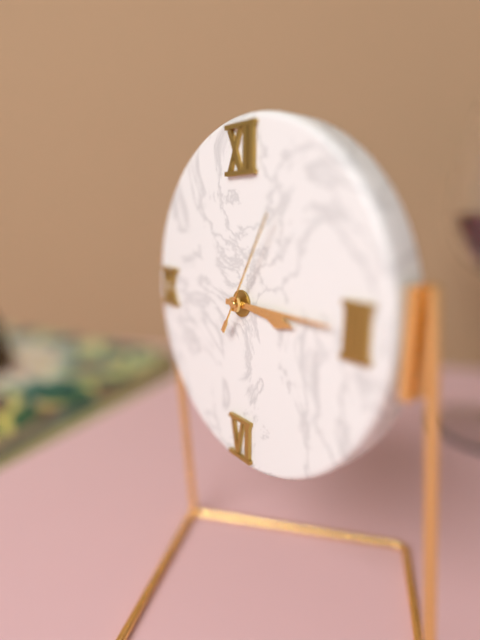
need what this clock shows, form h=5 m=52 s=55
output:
h=3 m=15 s=5
